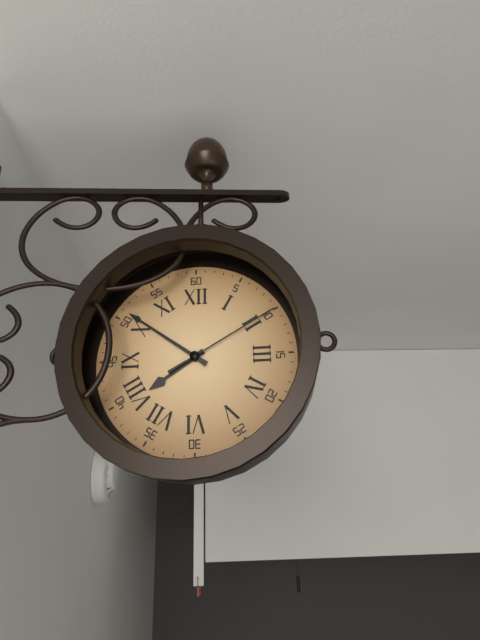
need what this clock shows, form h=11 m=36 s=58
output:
h=7 m=51 s=10
